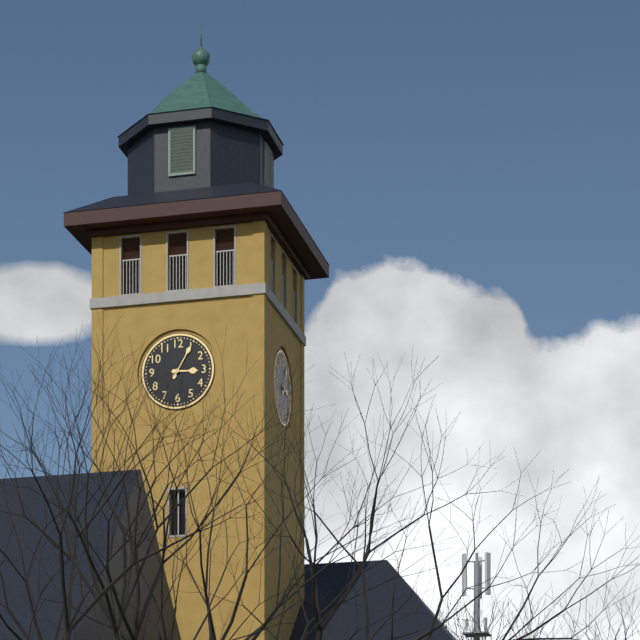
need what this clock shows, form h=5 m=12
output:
h=3 m=5
